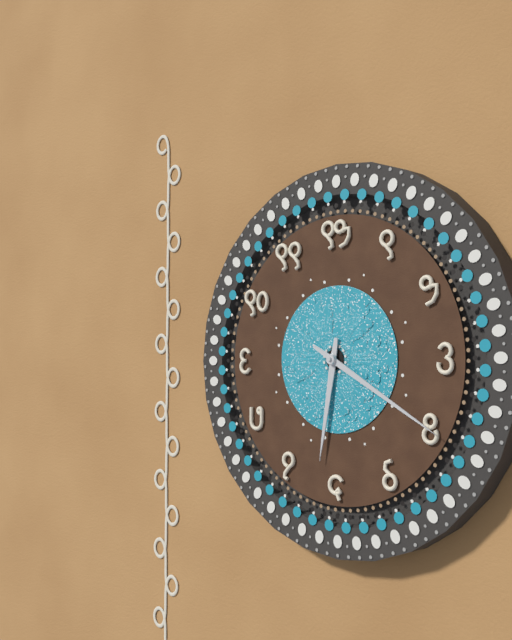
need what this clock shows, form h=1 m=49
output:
h=6 m=20
